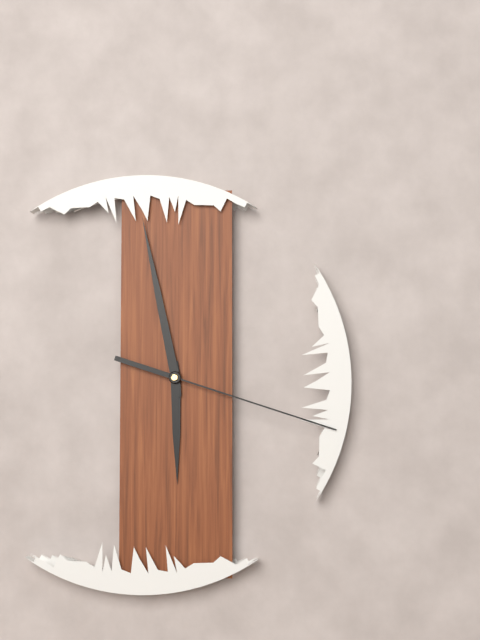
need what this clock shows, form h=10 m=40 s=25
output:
h=5 m=58 s=18
